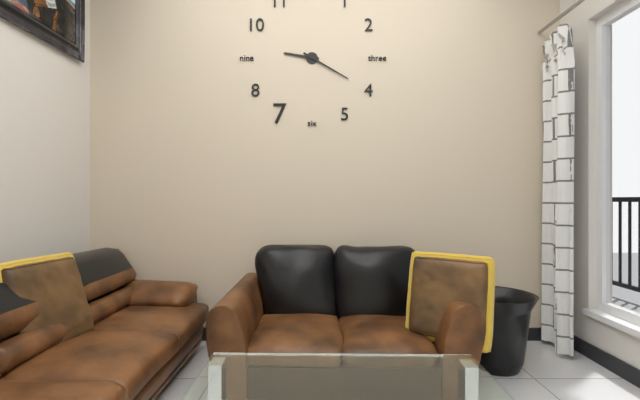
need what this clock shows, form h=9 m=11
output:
h=9 m=20
